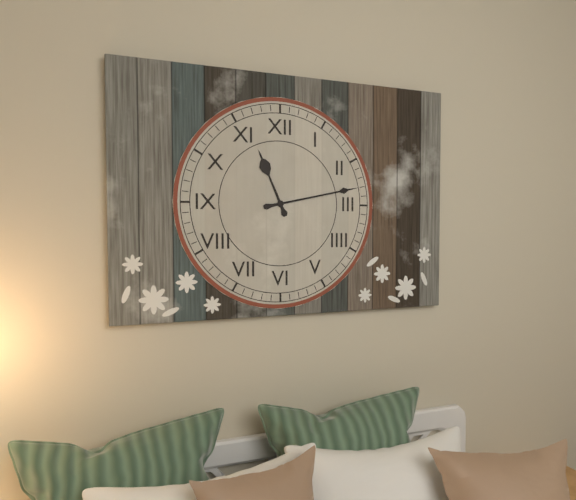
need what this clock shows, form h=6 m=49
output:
h=11 m=13
